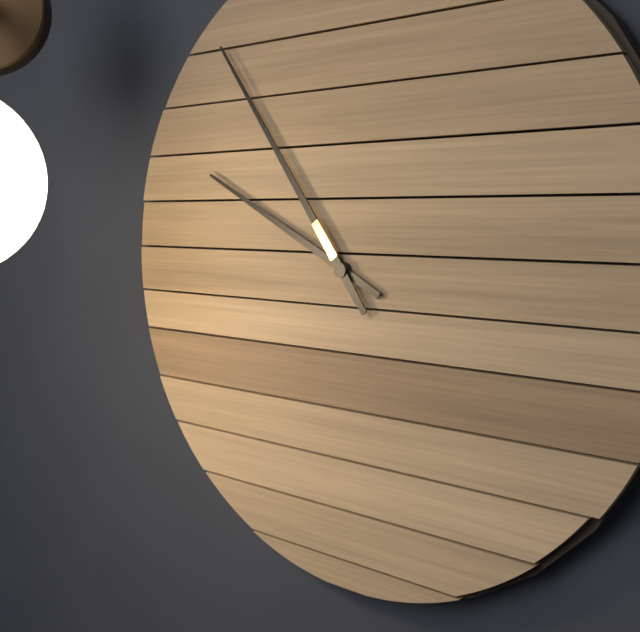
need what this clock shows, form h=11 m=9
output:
h=9 m=54
